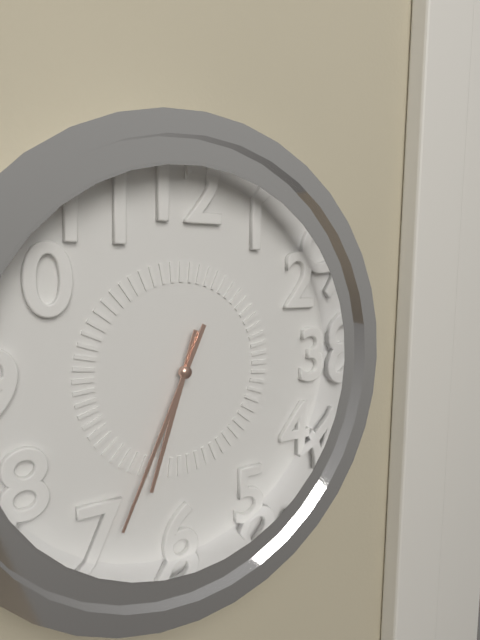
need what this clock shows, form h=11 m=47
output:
h=6 m=34
